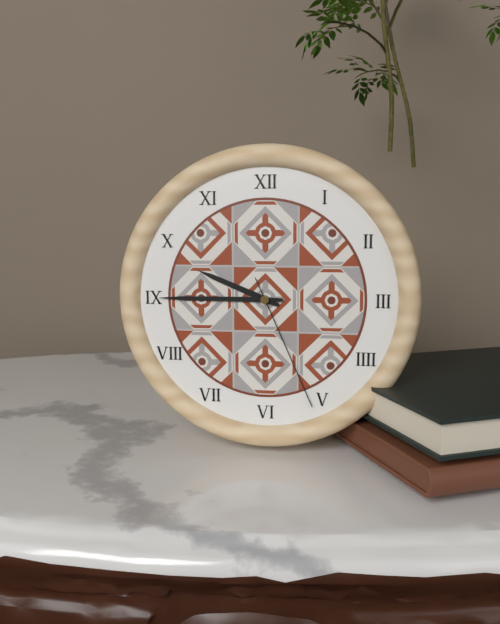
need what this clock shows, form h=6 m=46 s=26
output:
h=9 m=45 s=26
